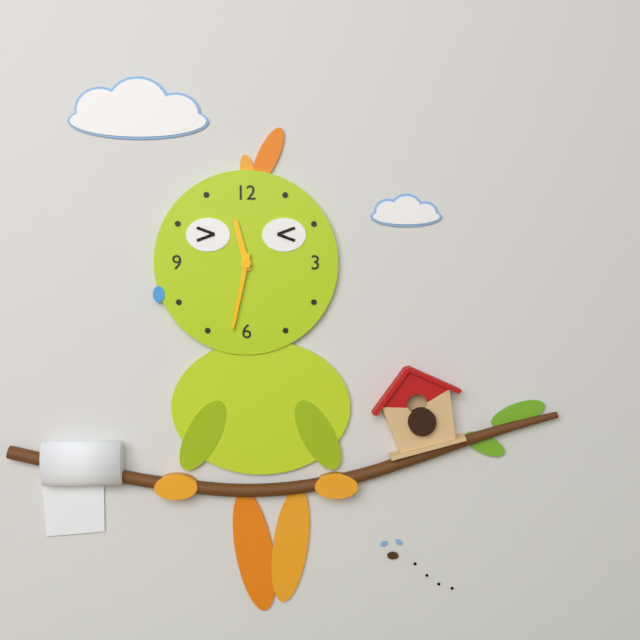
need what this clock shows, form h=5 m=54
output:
h=11 m=32
